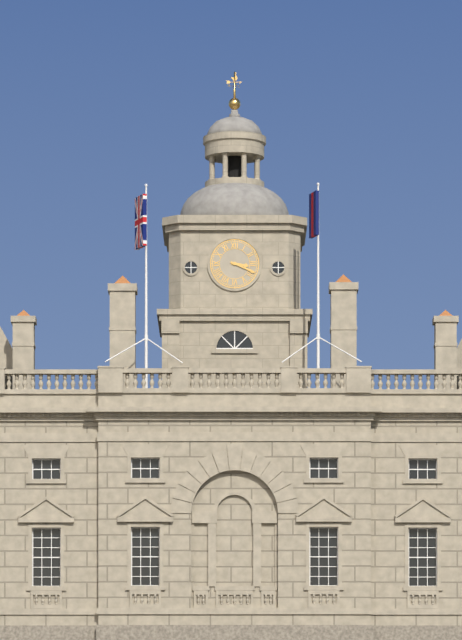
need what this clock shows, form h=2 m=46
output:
h=3 m=19
